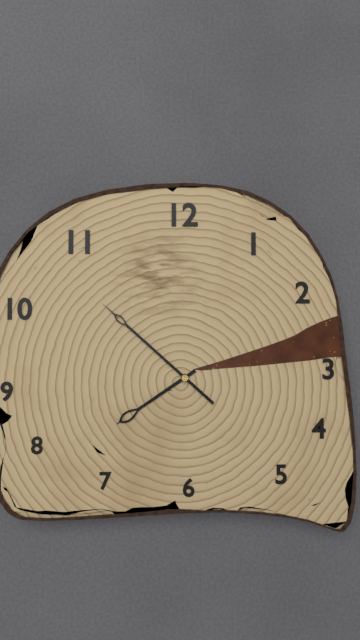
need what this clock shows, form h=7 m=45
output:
h=7 m=52
